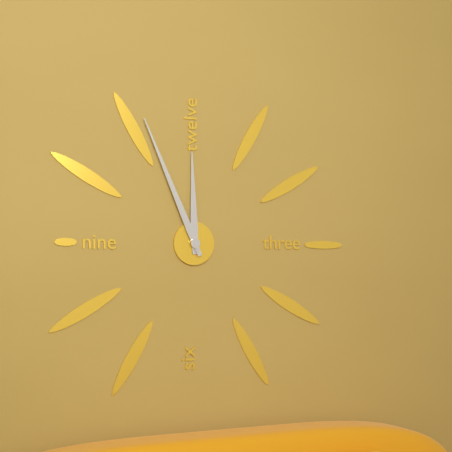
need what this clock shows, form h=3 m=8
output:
h=11 m=56
